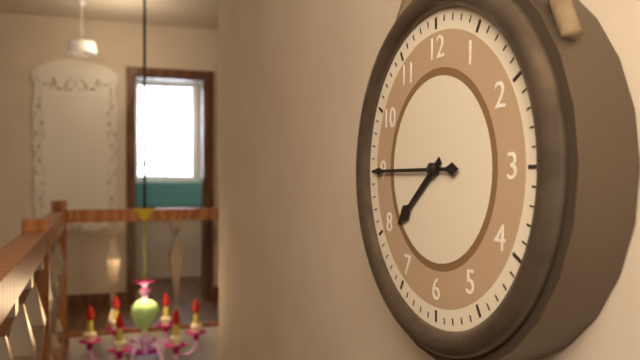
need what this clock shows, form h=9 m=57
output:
h=7 m=45
